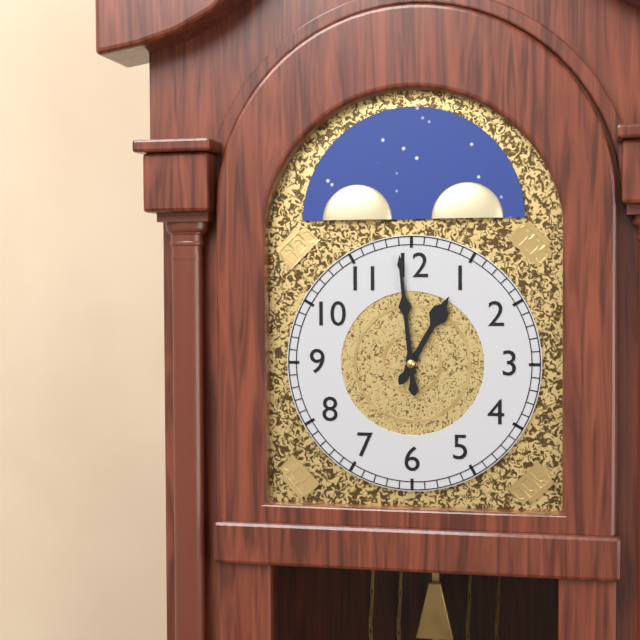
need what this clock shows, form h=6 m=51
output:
h=12 m=59
